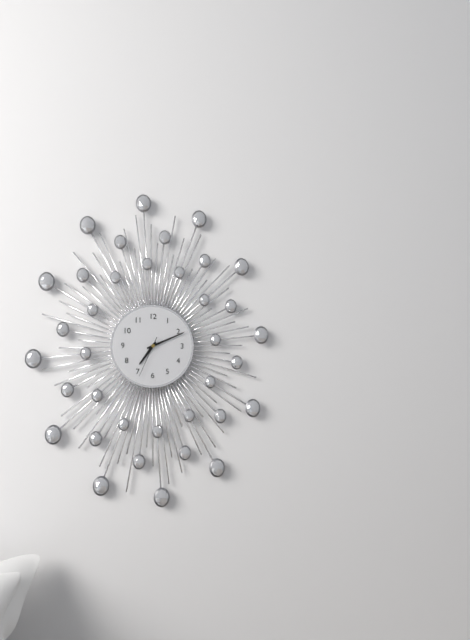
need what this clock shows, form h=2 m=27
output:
h=7 m=11
